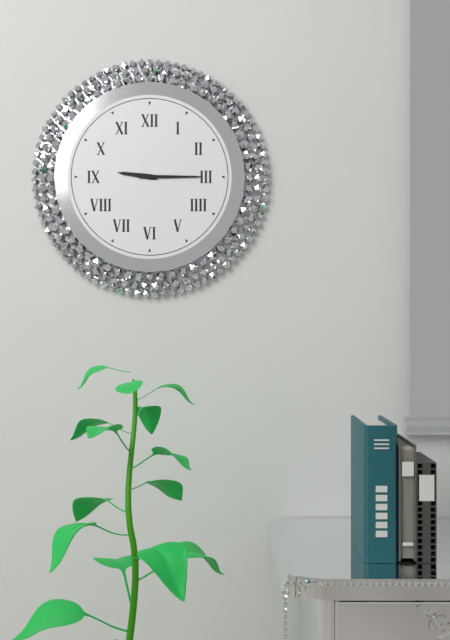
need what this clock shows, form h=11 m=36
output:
h=9 m=15
